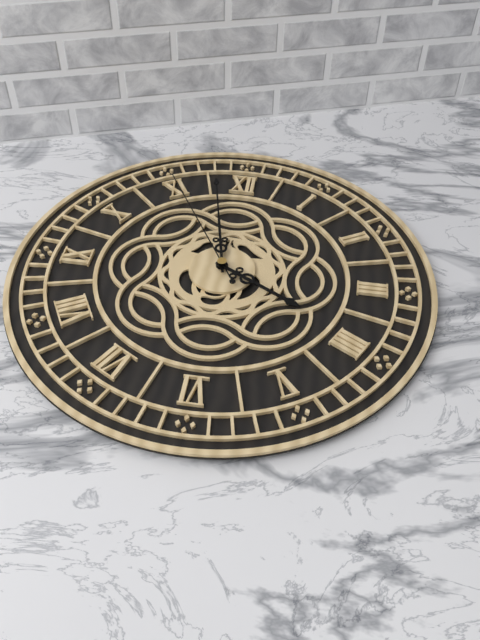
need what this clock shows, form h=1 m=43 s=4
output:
h=3 m=58 s=55
